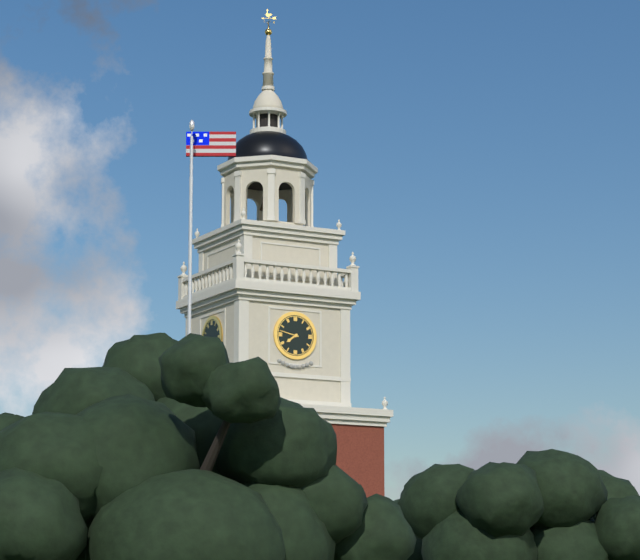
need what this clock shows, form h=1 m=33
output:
h=7 m=47
